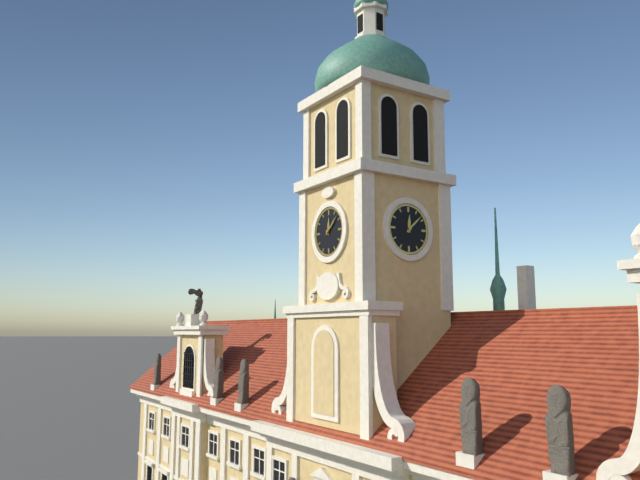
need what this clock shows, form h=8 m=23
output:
h=12 m=8
